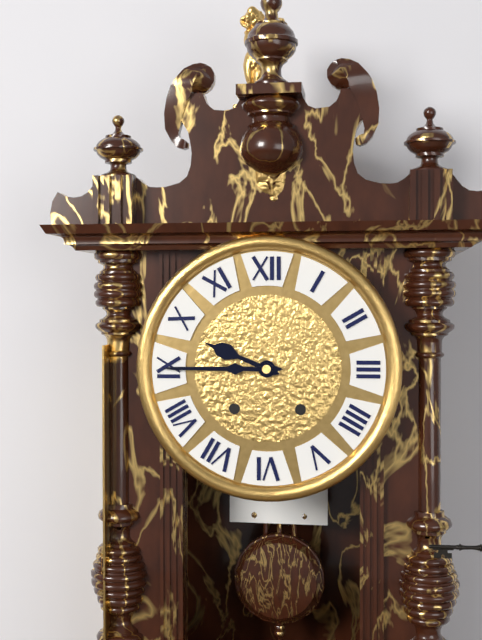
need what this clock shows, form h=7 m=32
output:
h=9 m=45
